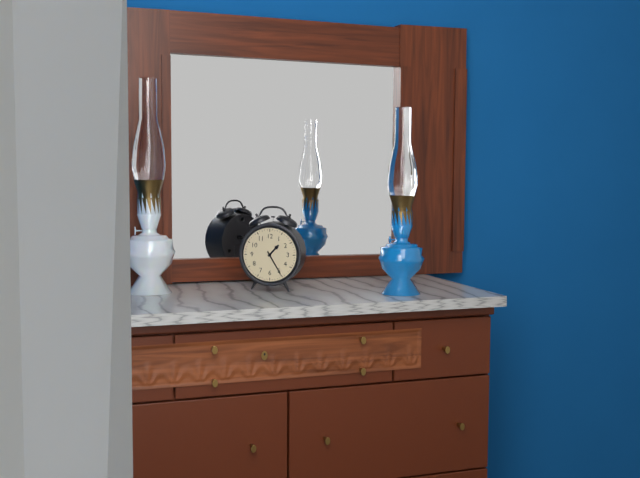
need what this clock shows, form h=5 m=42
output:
h=1 m=25
